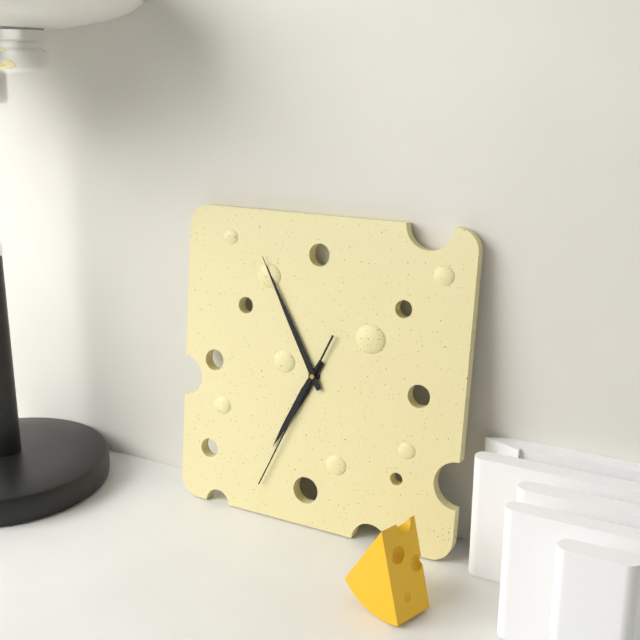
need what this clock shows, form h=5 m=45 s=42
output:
h=6 m=55 s=34
